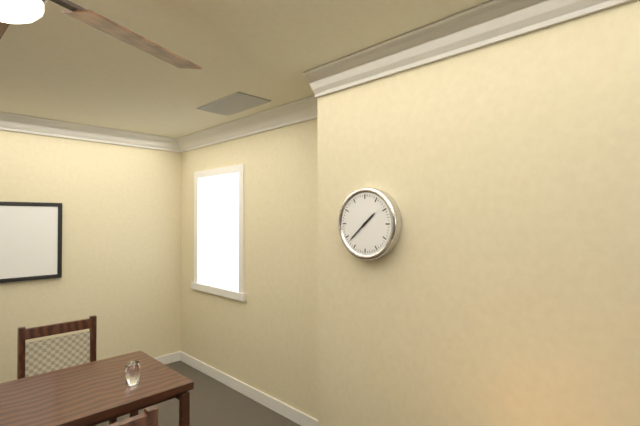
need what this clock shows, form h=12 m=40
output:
h=1 m=38
